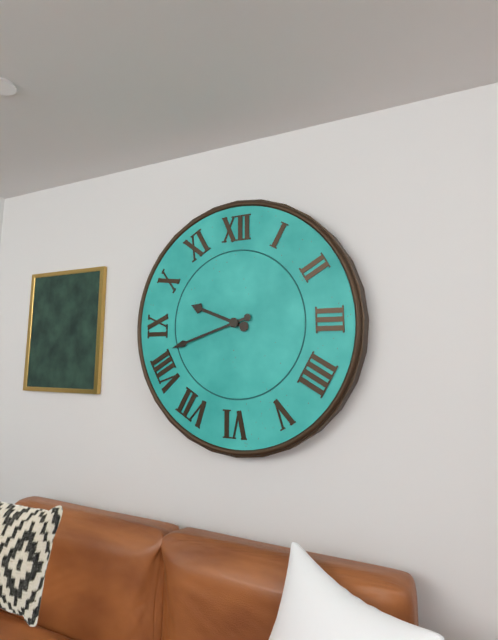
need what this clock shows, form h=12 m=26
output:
h=9 m=42
